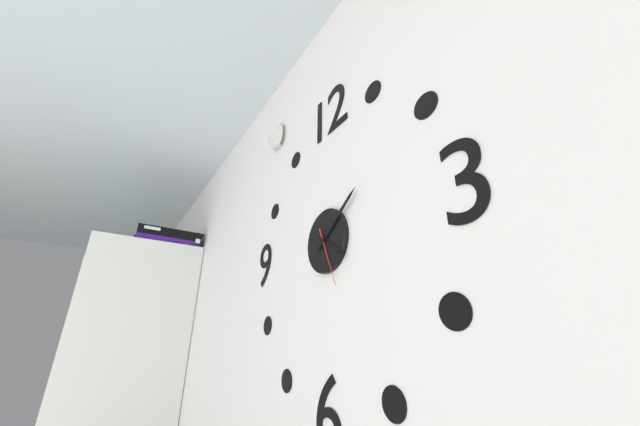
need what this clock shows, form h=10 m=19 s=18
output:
h=4 m=9 s=26
